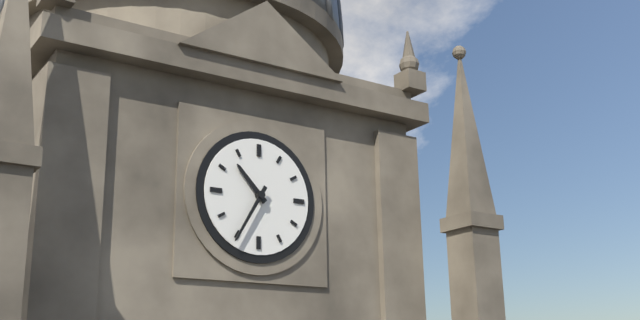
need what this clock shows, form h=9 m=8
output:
h=10 m=35
